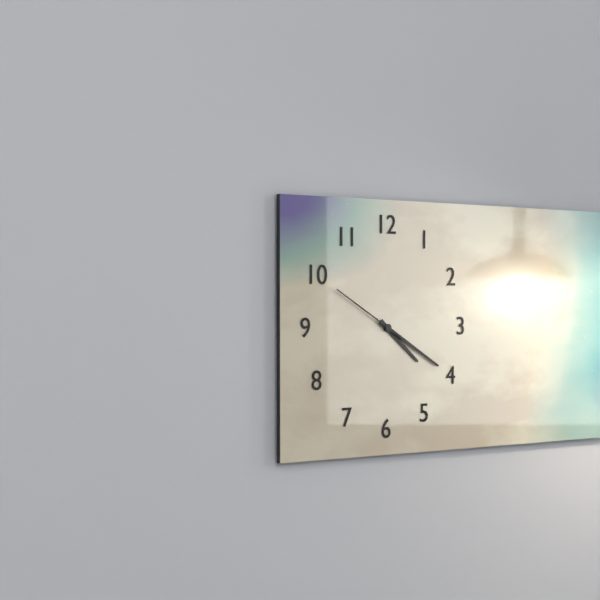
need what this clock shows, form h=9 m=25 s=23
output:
h=4 m=20 s=50
